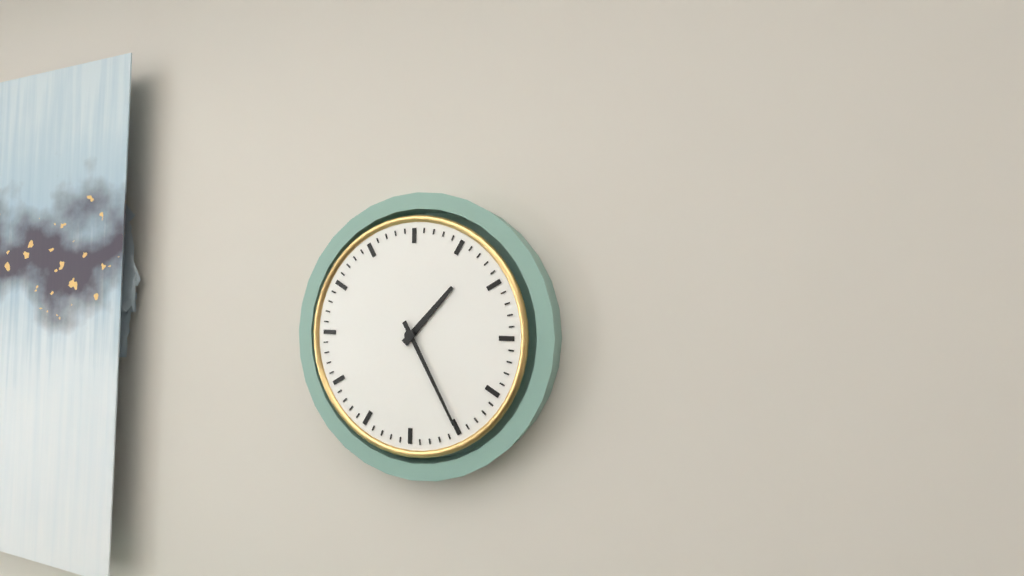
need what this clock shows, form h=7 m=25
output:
h=1 m=25
